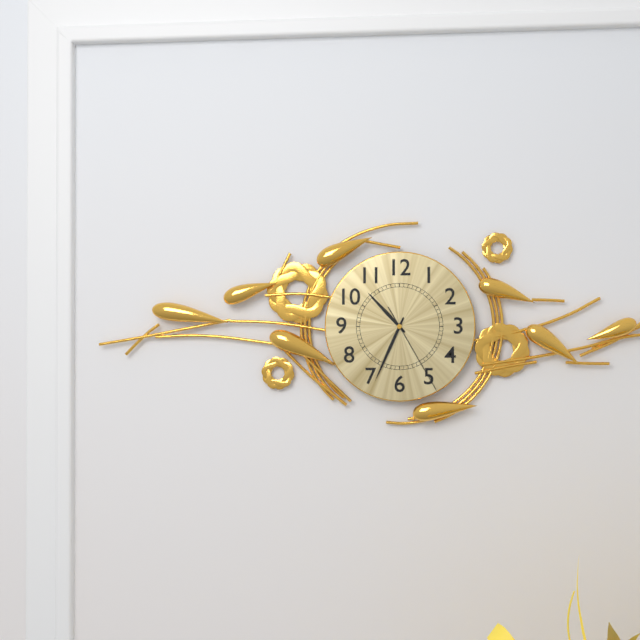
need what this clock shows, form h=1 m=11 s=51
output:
h=10 m=34 s=25
